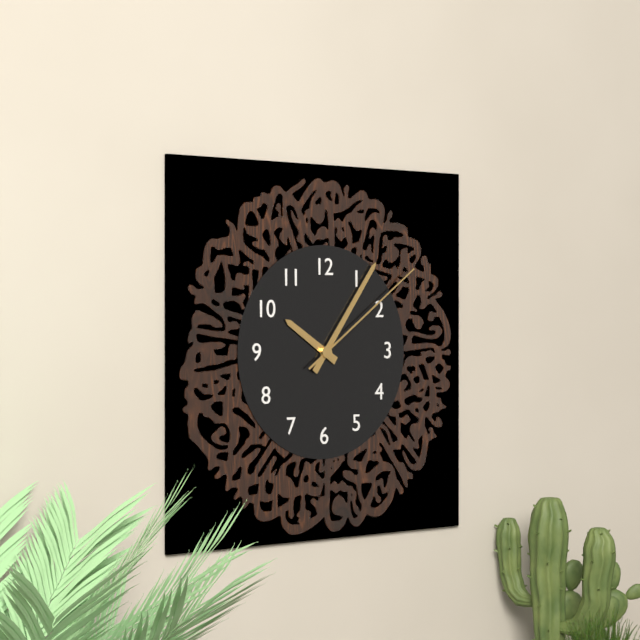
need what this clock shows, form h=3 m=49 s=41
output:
h=10 m=6 s=9
